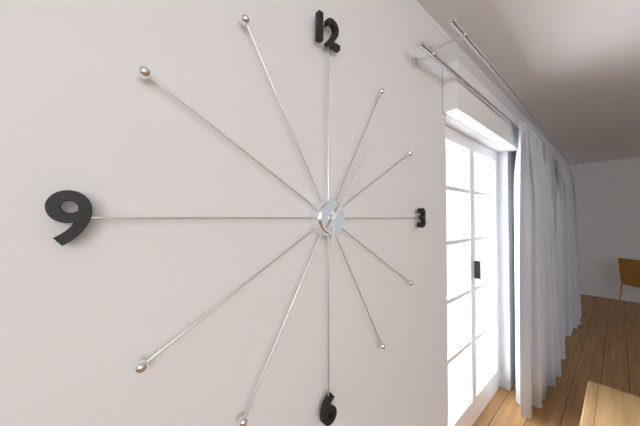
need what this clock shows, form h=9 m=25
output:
h=6 m=6
